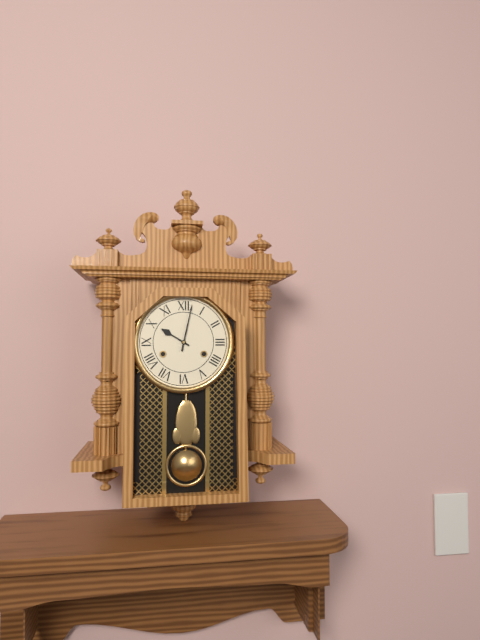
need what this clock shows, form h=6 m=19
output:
h=10 m=2
